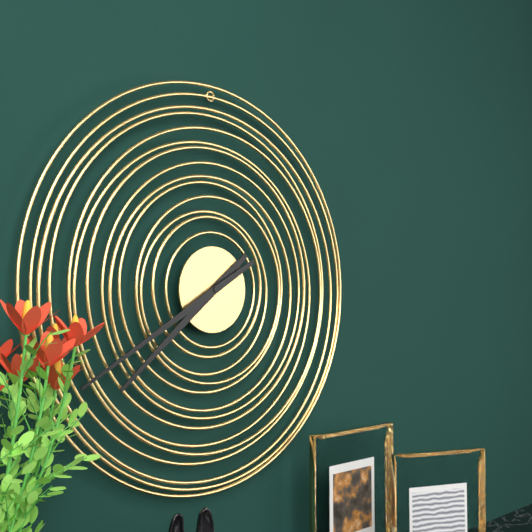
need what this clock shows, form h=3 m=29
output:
h=7 m=40
